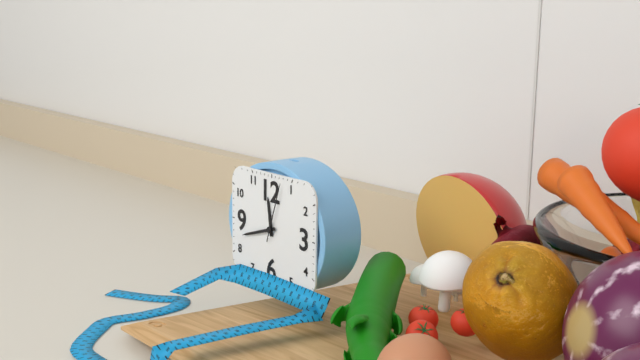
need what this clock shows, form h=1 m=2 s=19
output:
h=11 m=42 s=3
